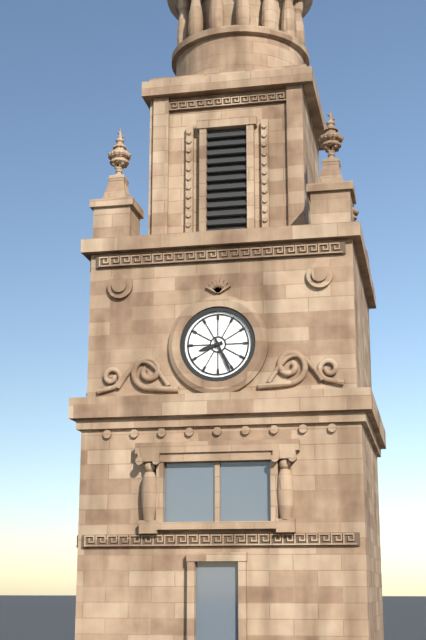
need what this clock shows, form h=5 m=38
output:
h=8 m=26
